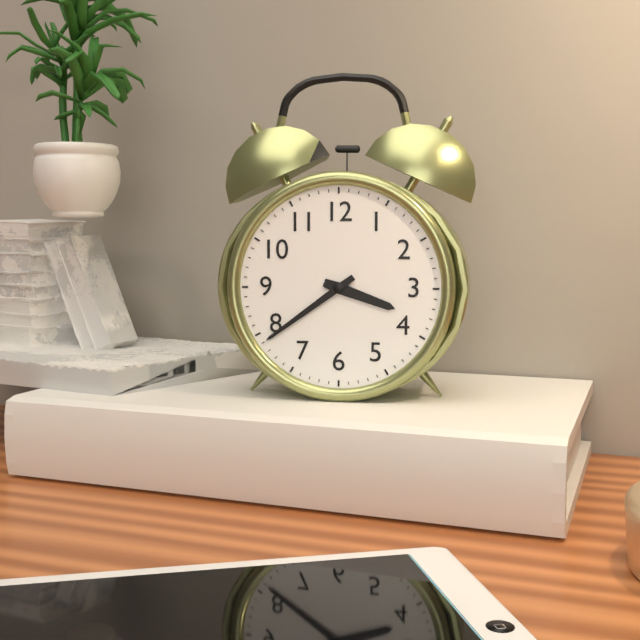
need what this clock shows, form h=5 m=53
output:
h=3 m=39
